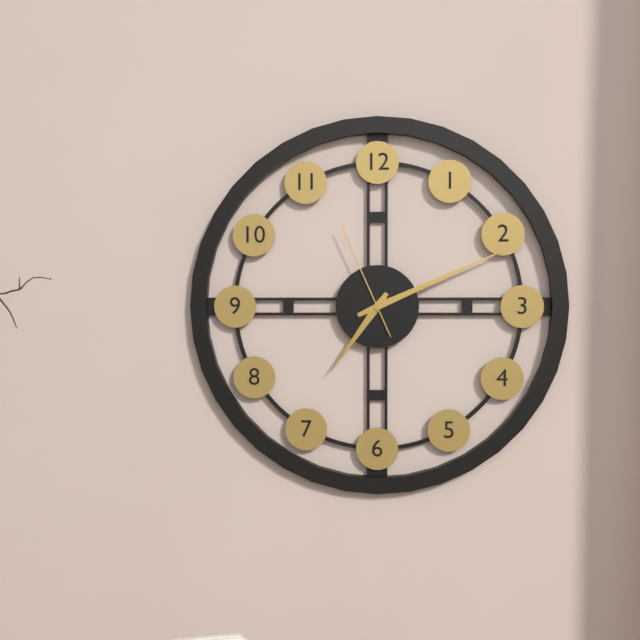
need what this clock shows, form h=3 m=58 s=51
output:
h=7 m=11 s=56
